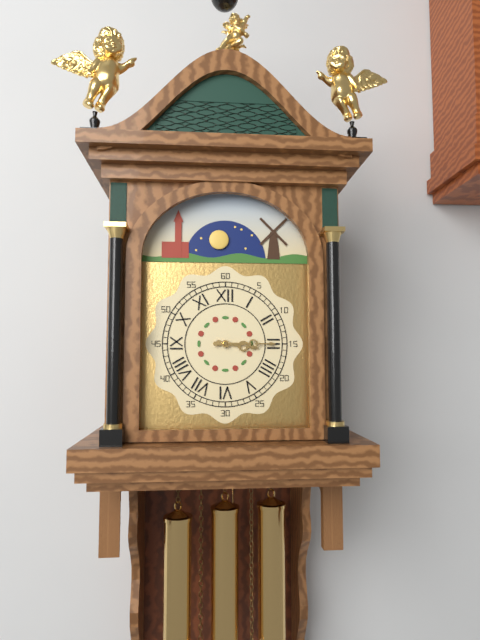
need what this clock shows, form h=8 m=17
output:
h=3 m=15
